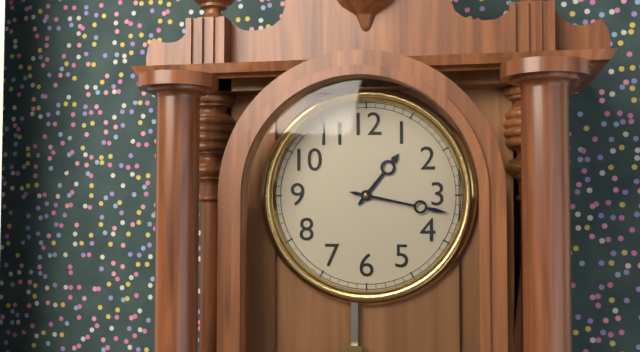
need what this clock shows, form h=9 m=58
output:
h=1 m=17
